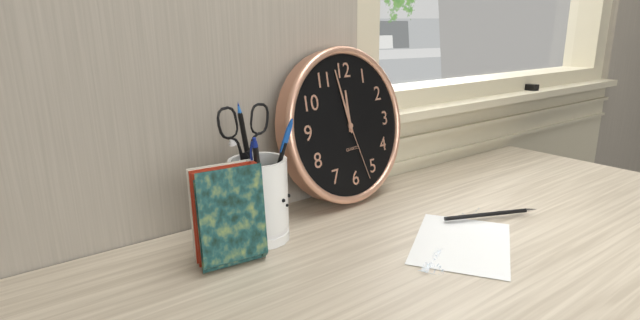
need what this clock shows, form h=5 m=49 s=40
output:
h=11 m=58 s=27
